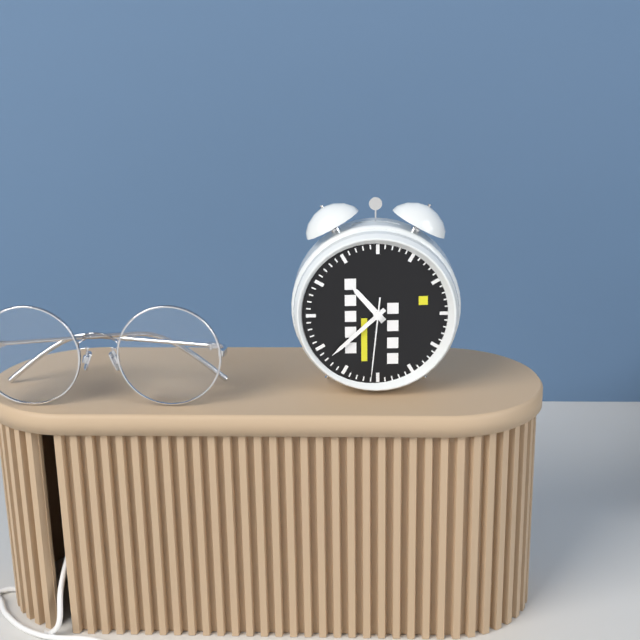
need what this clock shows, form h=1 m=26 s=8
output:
h=10 m=38 s=31
